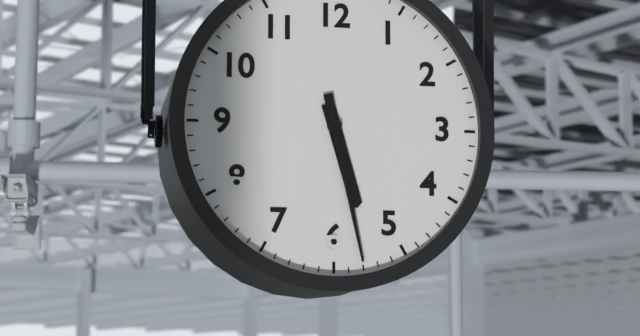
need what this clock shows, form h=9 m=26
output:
h=5 m=28
